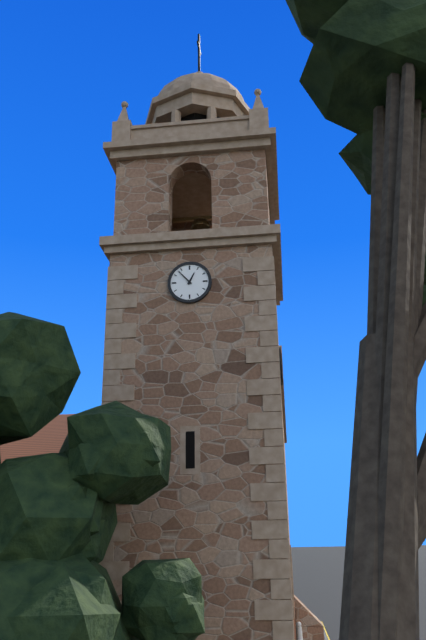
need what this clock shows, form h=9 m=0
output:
h=12 m=53
